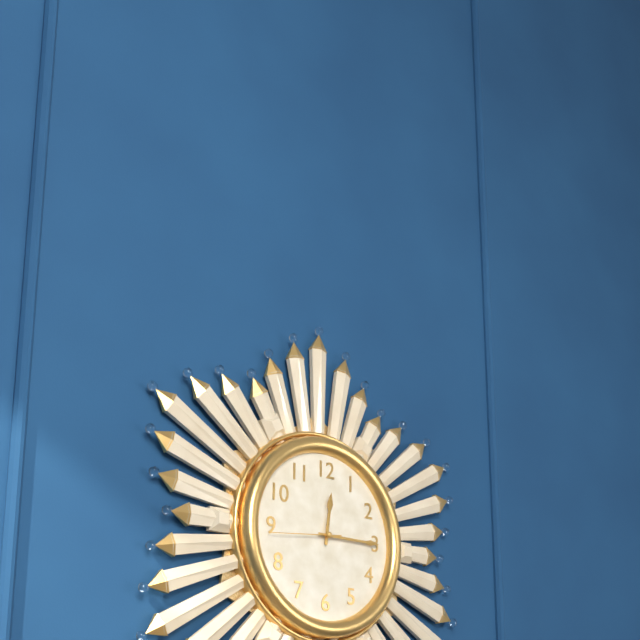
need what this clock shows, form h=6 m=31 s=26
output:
h=12 m=15 s=44
